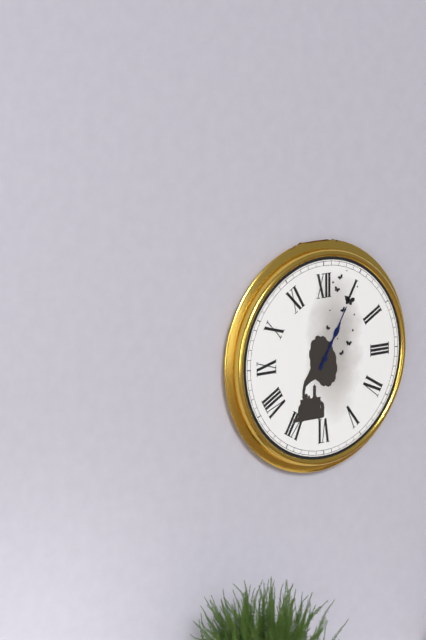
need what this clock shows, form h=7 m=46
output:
h=1 m=5
